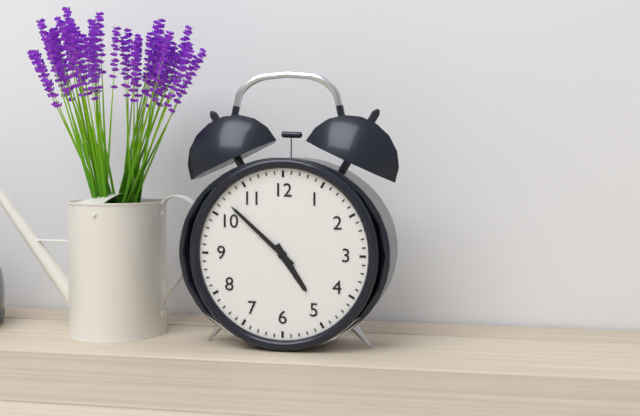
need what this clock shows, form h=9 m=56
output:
h=4 m=52
